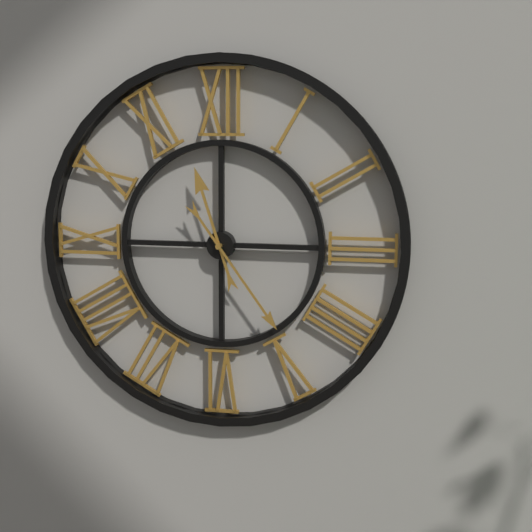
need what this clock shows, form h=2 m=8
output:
h=11 m=24
